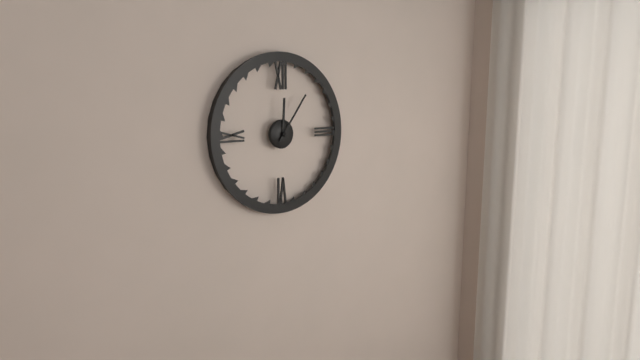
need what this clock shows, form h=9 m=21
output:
h=12 m=6
